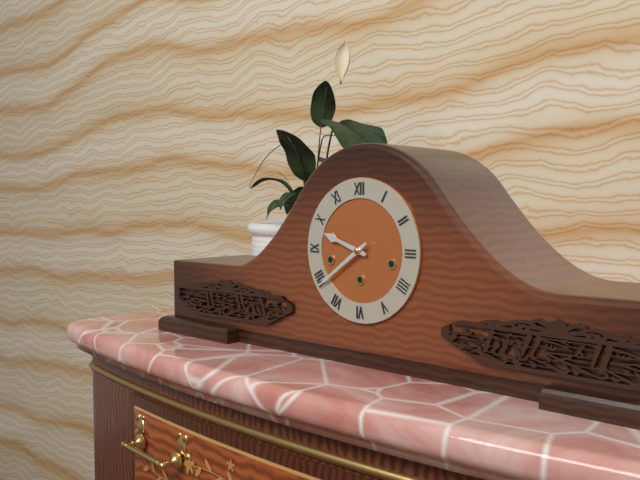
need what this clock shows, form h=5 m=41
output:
h=9 m=39
